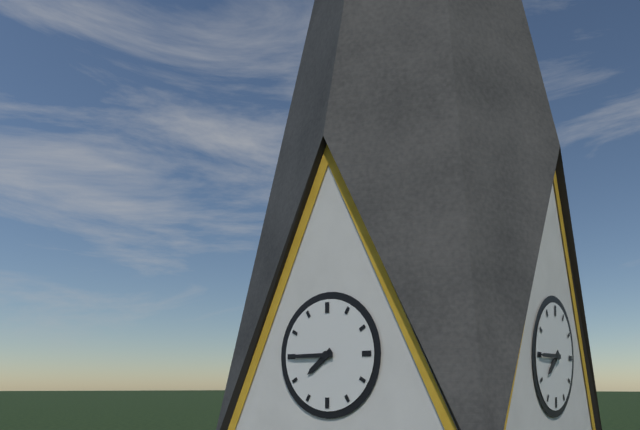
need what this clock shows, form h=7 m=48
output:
h=7 m=45
